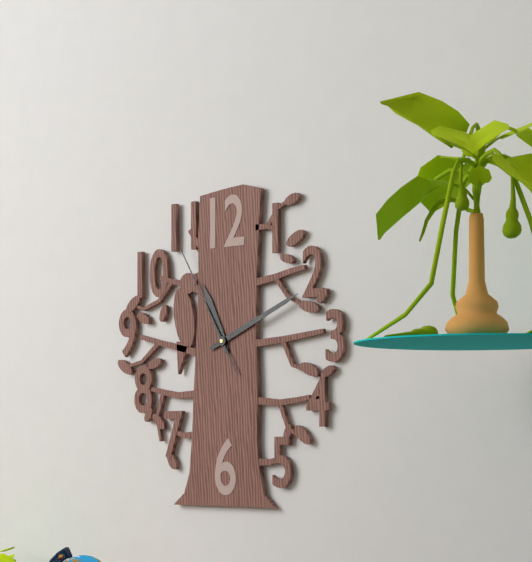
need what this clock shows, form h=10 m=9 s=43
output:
h=11 m=11 s=55
